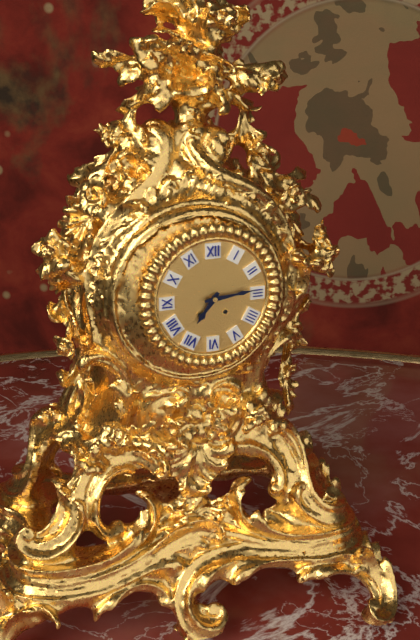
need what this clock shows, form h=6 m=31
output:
h=7 m=14
